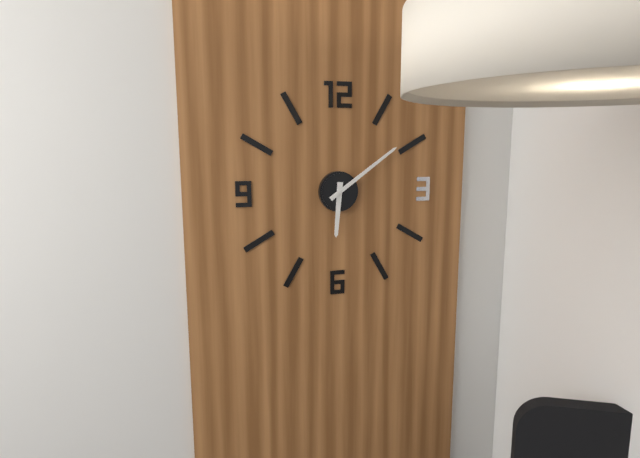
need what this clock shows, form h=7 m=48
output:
h=6 m=9
